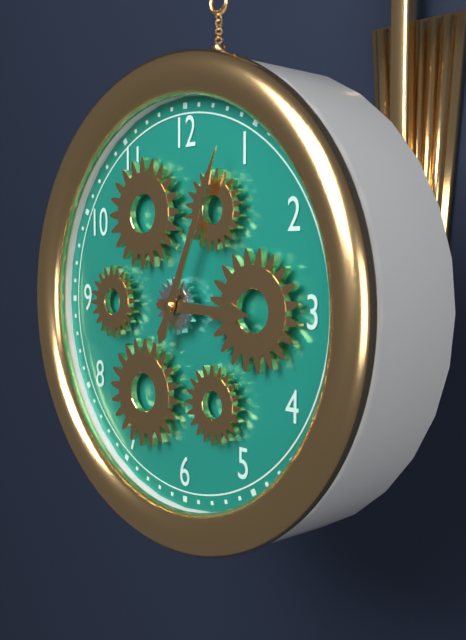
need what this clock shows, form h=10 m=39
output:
h=3 m=4
